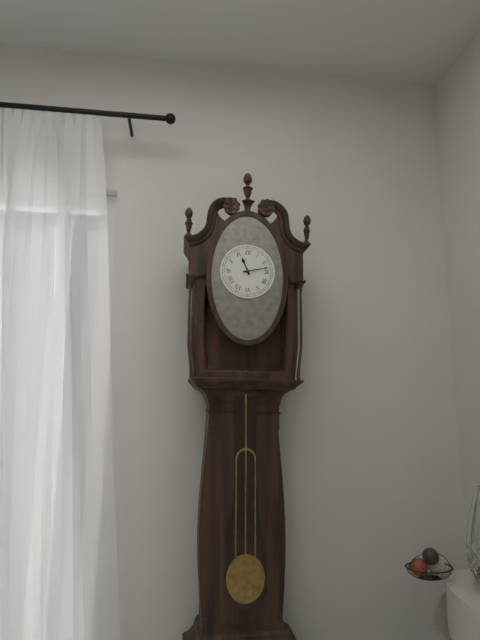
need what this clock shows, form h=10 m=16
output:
h=11 m=13
